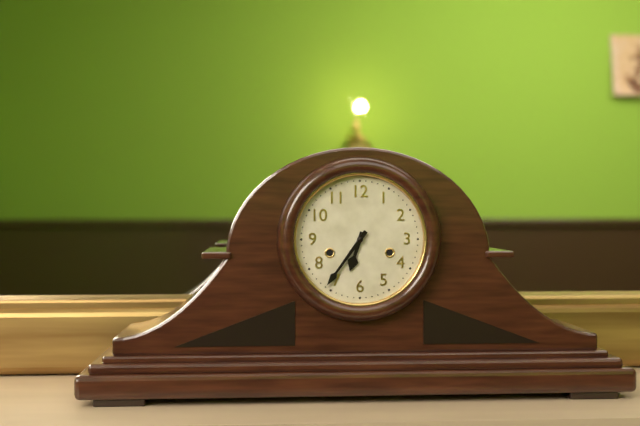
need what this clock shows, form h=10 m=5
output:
h=6 m=36
